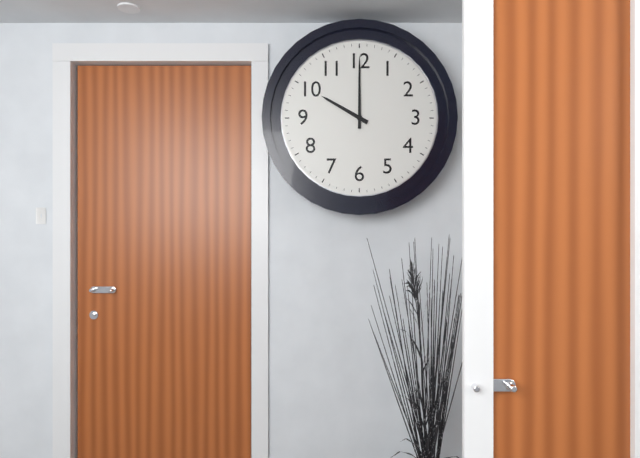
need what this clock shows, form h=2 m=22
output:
h=10 m=0
